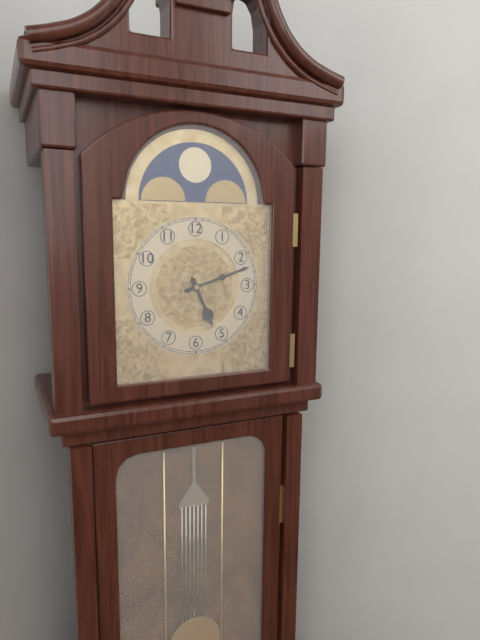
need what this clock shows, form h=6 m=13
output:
h=5 m=12
